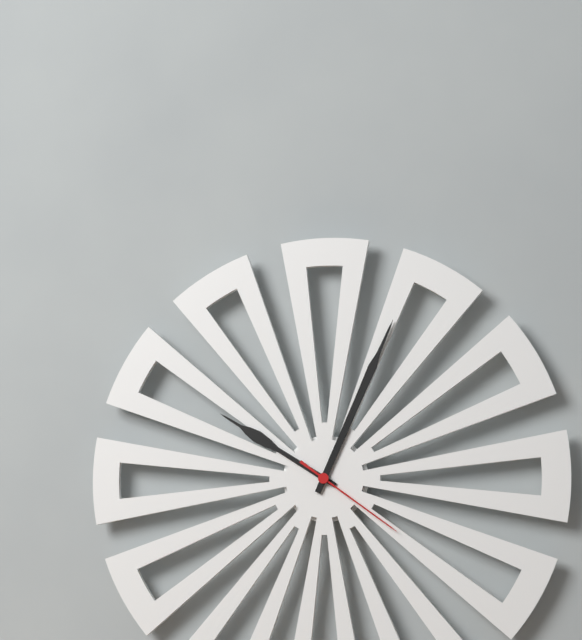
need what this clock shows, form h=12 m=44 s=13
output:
h=10 m=4 s=21
